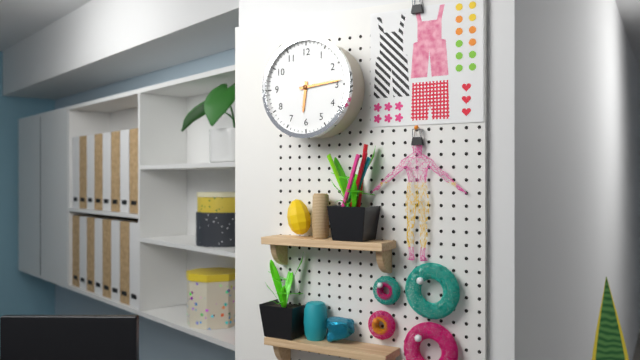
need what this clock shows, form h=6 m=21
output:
h=6 m=14
